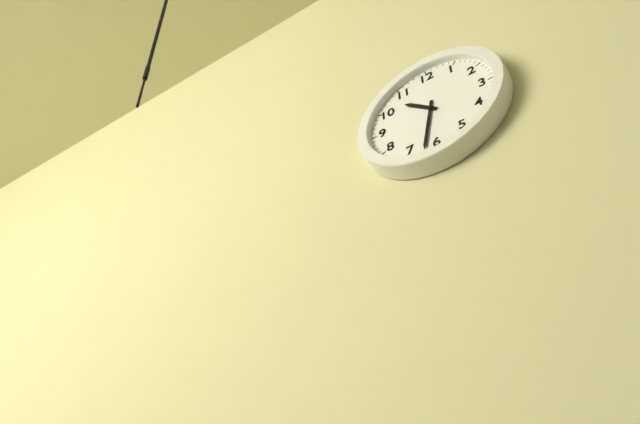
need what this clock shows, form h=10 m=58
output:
h=10 m=32
